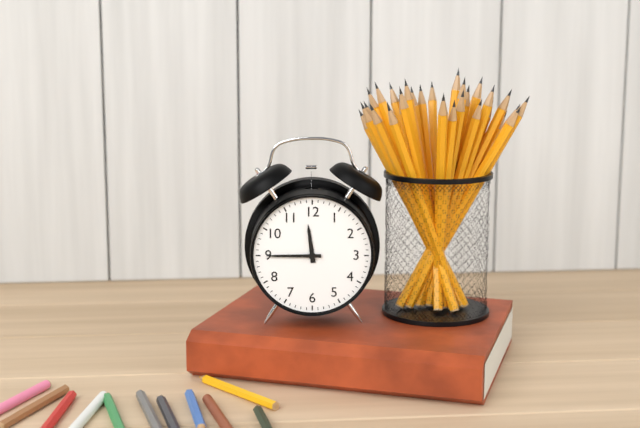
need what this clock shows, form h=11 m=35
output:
h=11 m=45
